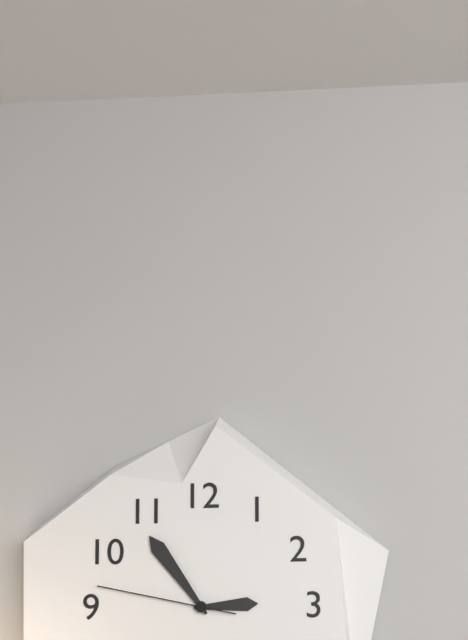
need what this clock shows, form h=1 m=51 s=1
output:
h=2 m=54 s=47
